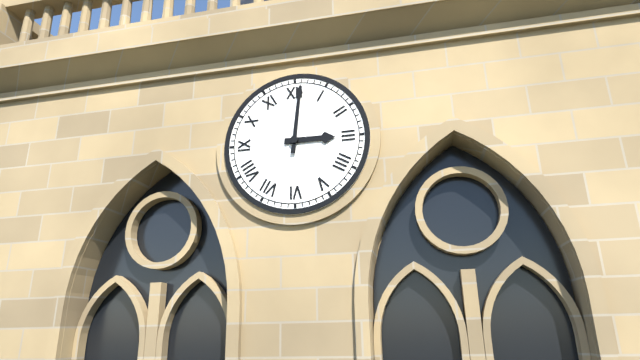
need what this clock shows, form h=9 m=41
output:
h=3 m=1
